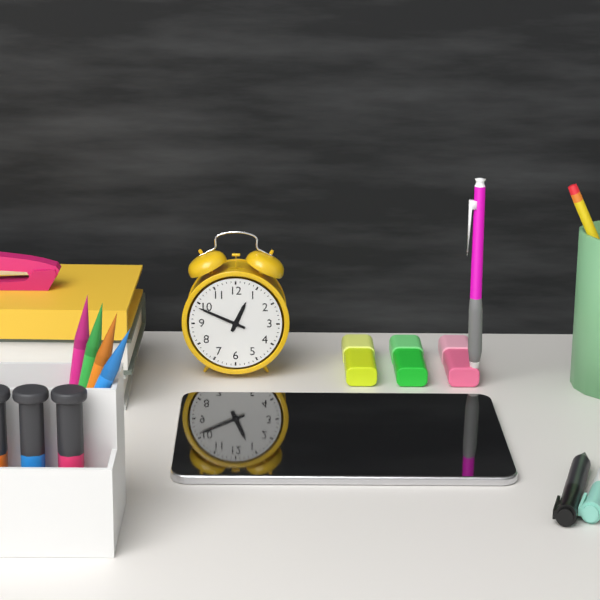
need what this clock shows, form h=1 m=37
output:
h=12 m=49
